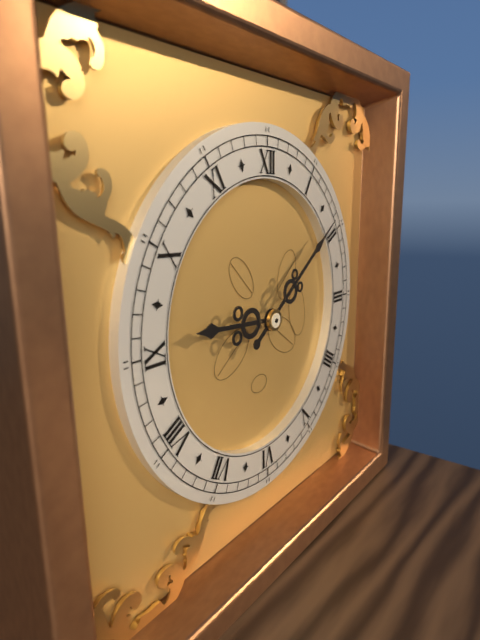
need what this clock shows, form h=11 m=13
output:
h=9 m=9
